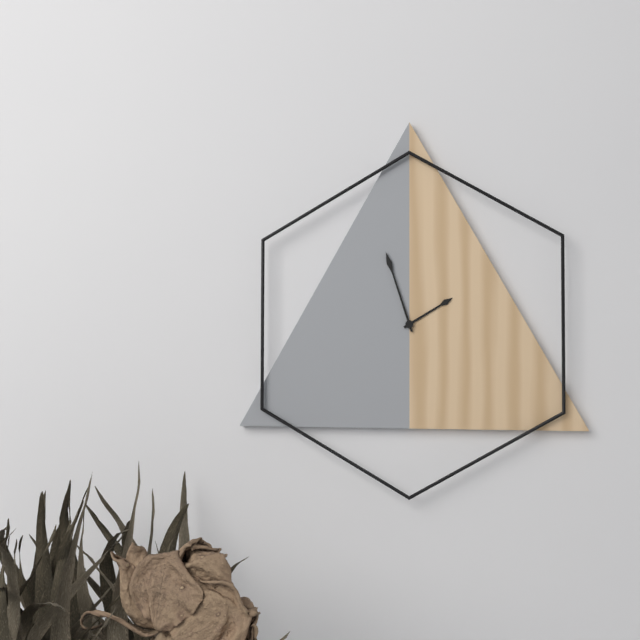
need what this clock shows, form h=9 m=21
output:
h=1 m=57
